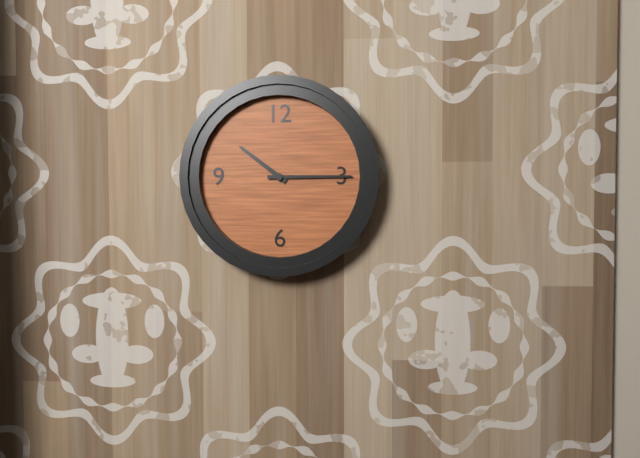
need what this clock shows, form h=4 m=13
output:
h=10 m=15
